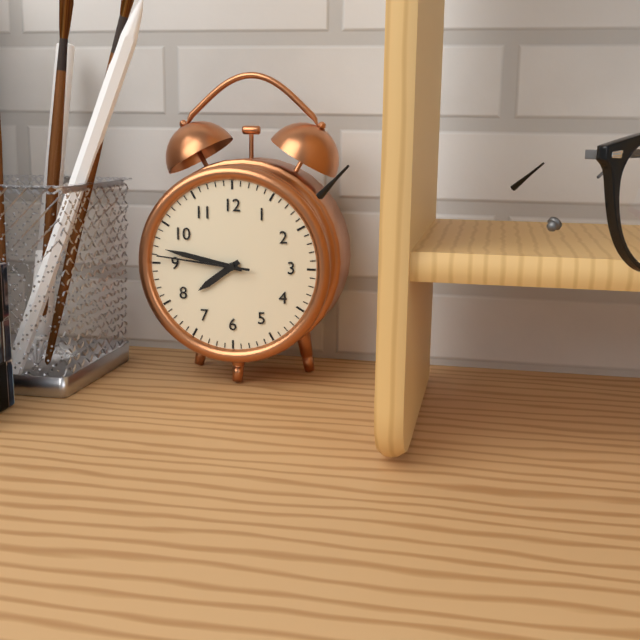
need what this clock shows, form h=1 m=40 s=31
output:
h=7 m=47 s=46
